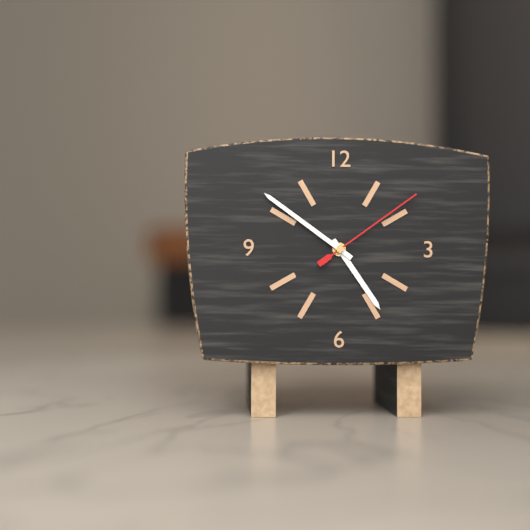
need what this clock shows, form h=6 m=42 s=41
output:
h=4 m=51 s=9
